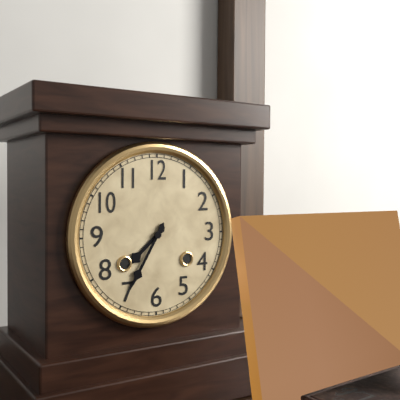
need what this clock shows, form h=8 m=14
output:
h=7 m=35
